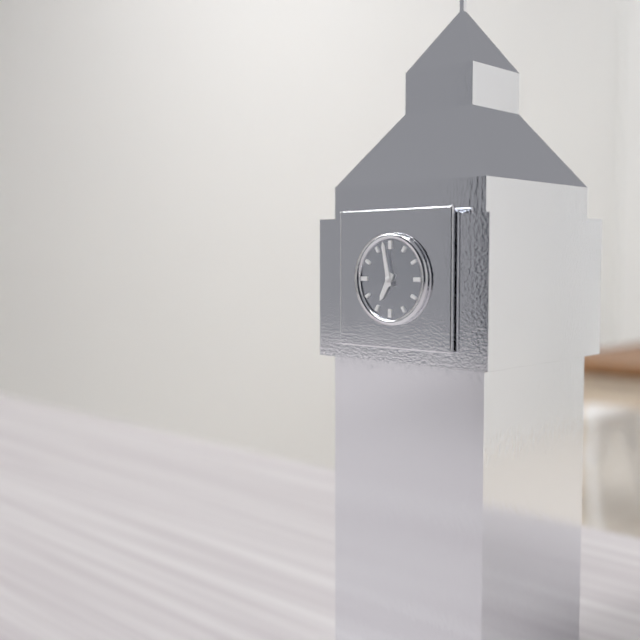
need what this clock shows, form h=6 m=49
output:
h=6 m=58
